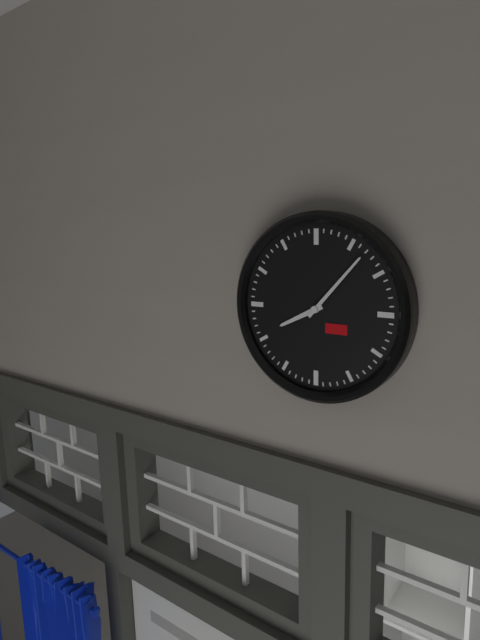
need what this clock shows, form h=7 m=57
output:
h=8 m=7
